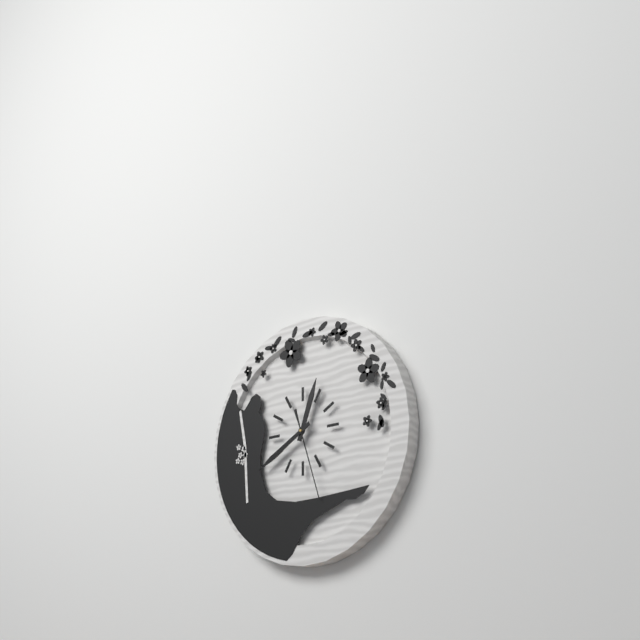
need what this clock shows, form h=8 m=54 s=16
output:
h=12 m=40 s=27
